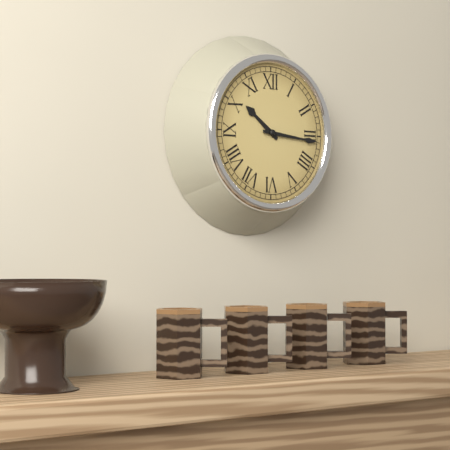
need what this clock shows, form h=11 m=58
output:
h=10 m=16
